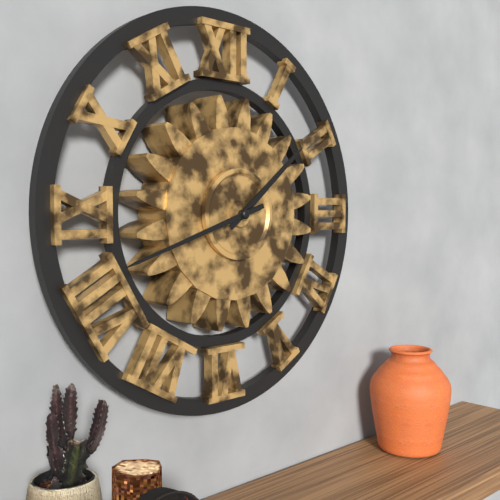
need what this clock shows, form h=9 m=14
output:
h=1 m=42
